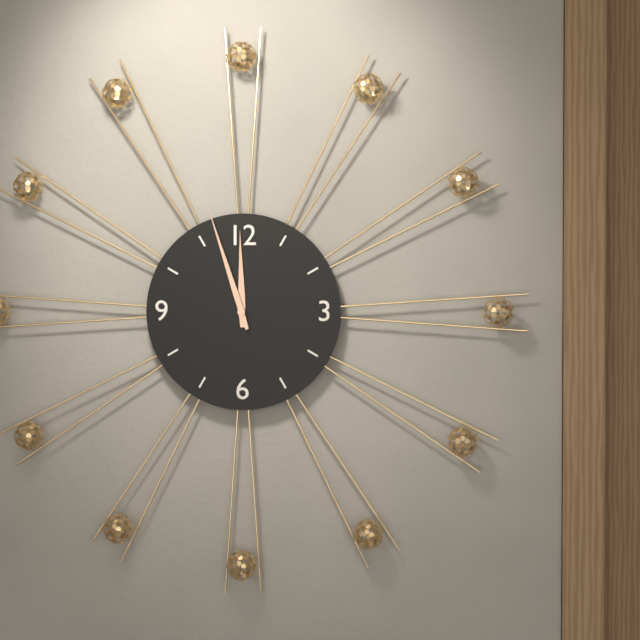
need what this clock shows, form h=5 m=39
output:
h=11 m=57
